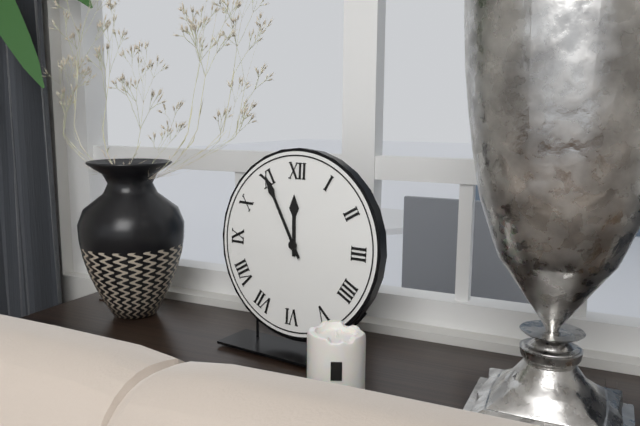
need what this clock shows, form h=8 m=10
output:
h=11 m=55
